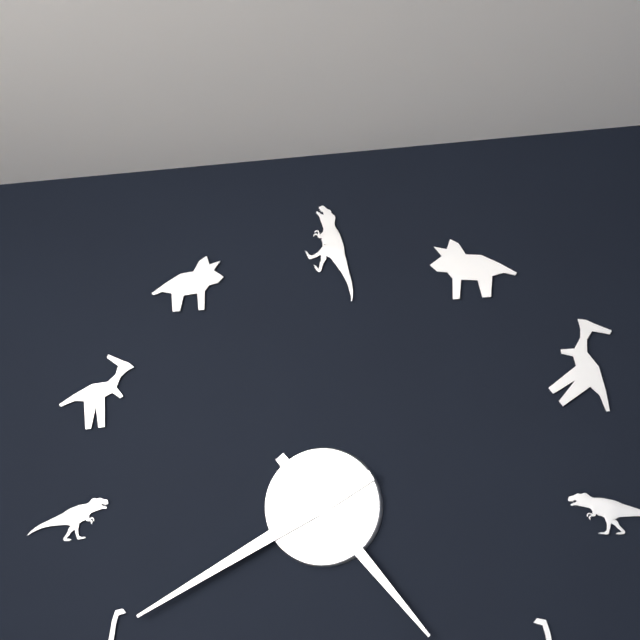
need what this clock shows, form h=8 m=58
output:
h=4 m=40
